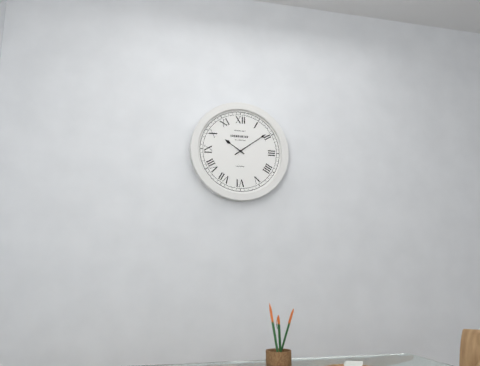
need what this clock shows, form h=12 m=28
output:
h=10 m=9
